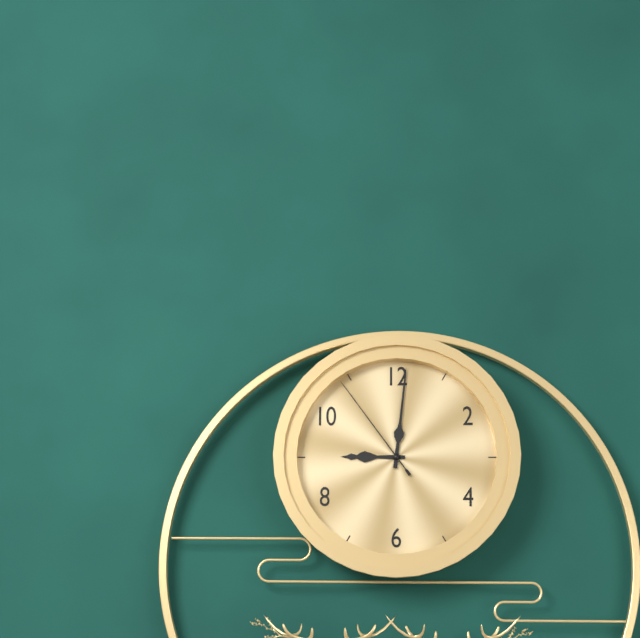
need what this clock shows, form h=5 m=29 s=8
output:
h=9 m=1 s=54
